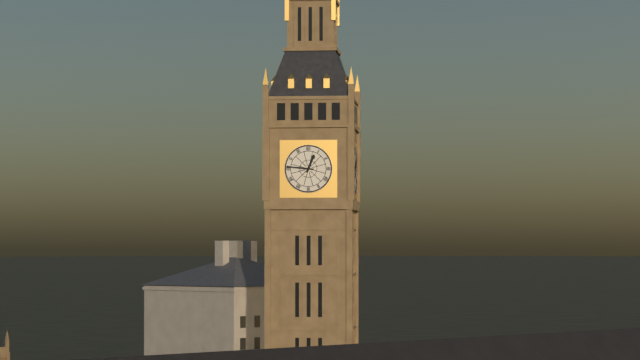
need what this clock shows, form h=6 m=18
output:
h=12 m=46
